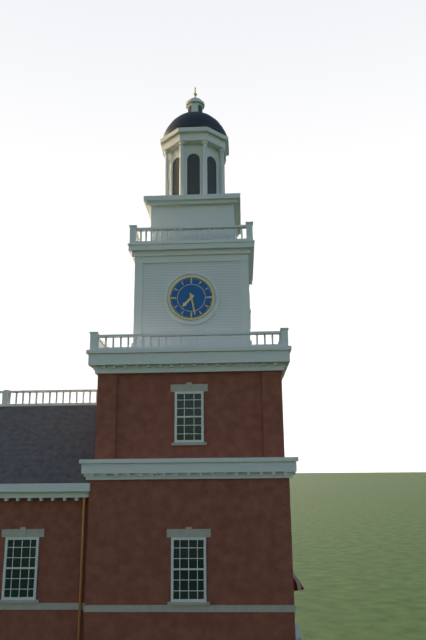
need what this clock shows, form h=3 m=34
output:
h=7 m=28
